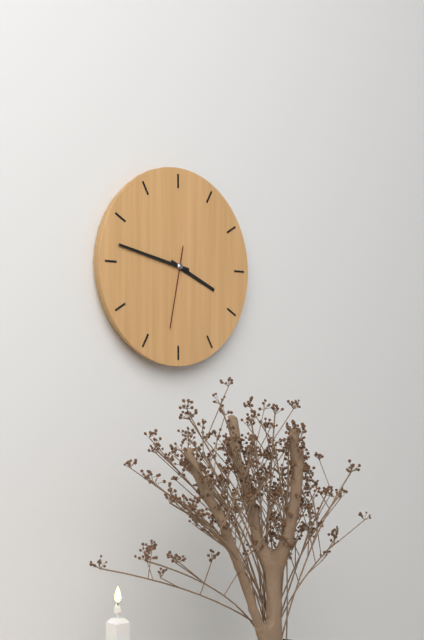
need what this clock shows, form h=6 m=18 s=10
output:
h=3 m=47 s=32
